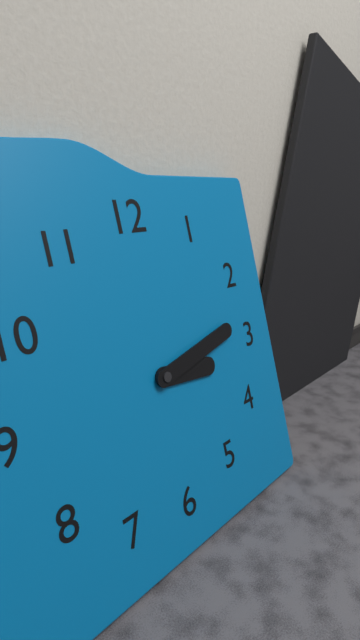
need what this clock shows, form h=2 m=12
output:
h=3 m=13
